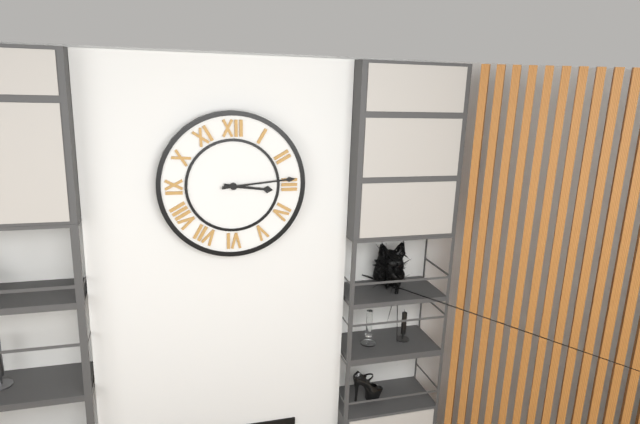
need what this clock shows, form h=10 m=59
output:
h=3 m=14
